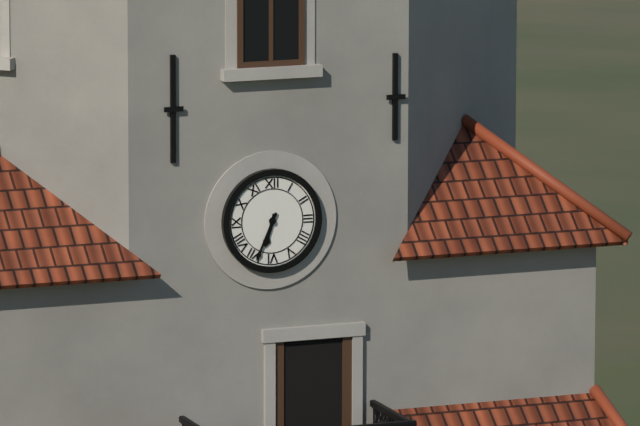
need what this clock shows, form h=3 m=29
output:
h=6 m=34
